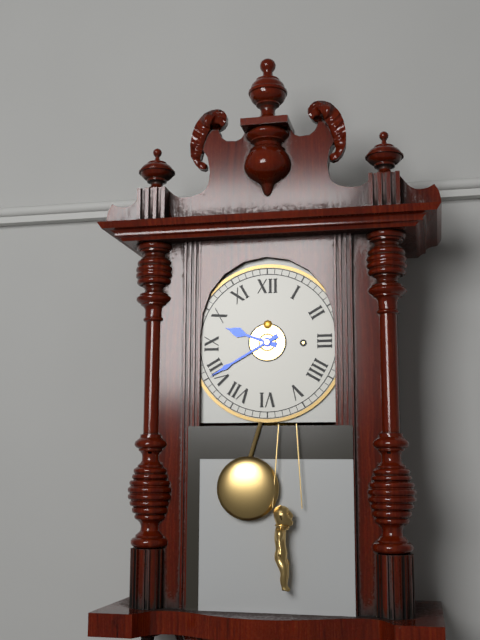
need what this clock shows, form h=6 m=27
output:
h=9 m=40
